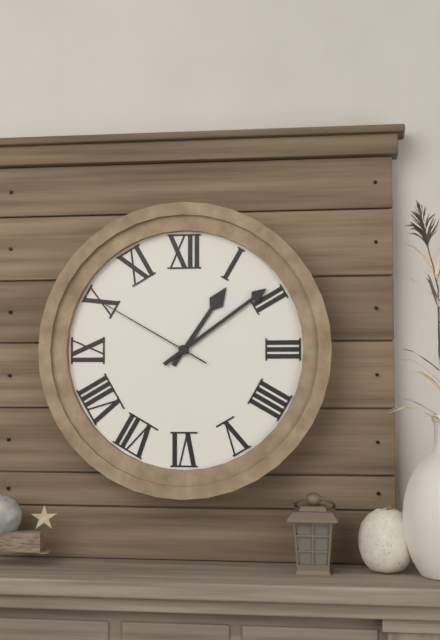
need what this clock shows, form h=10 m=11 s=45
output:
h=1 m=9 s=50
